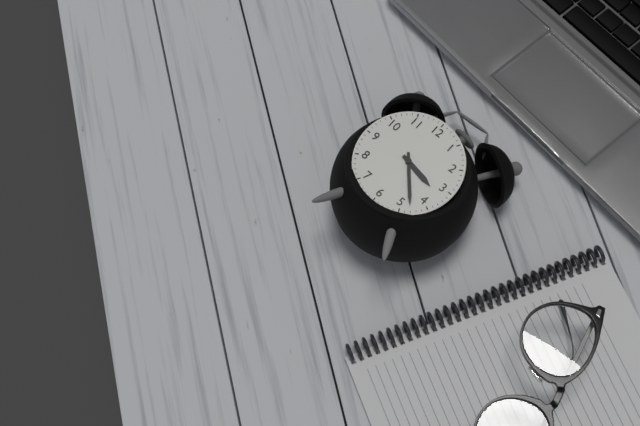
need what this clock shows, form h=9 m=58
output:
h=3 m=23
